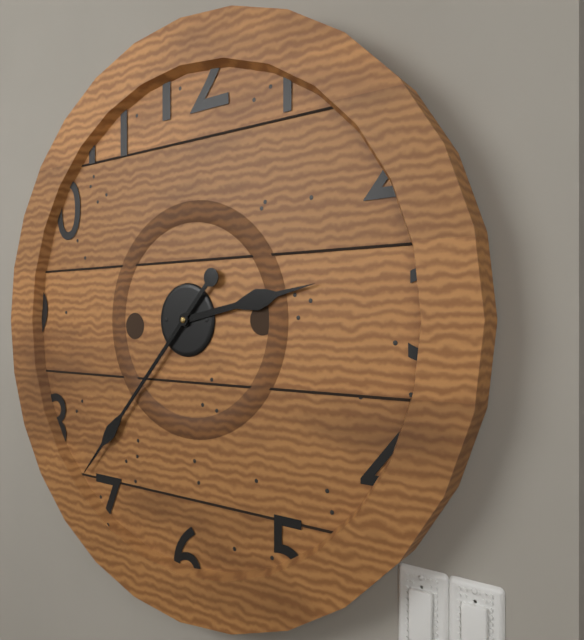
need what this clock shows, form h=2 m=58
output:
h=2 m=37
